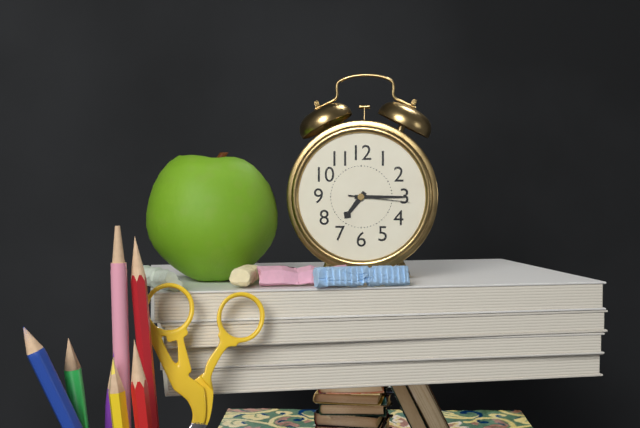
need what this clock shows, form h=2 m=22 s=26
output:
h=7 m=15 s=16
